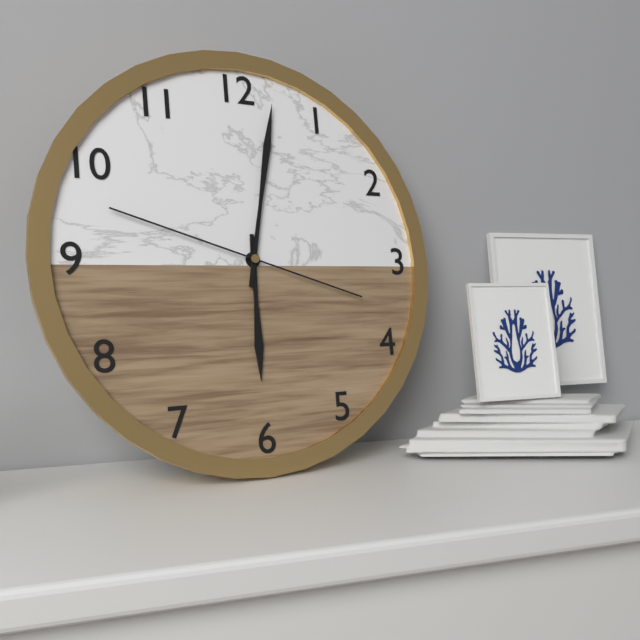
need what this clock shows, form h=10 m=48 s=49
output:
h=6 m=2 s=48
